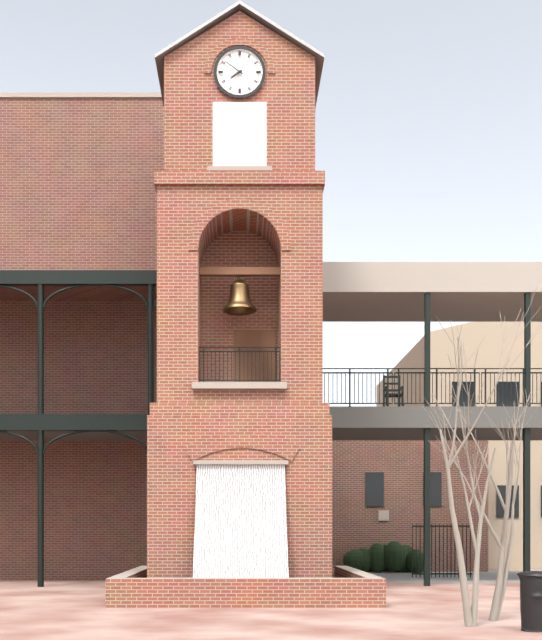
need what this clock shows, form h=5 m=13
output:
h=7 m=51
